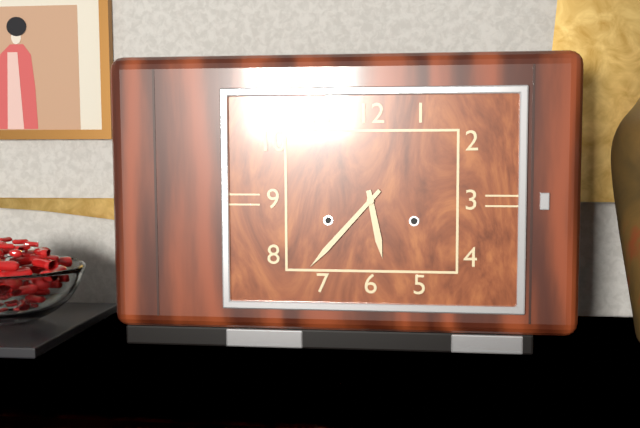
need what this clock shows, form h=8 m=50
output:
h=5 m=37
